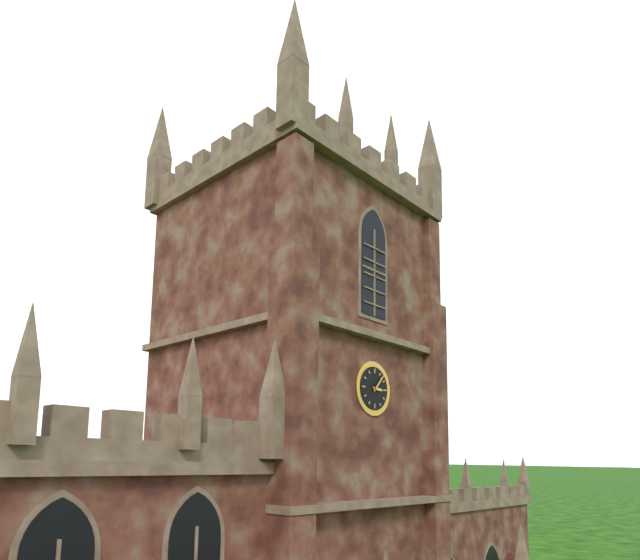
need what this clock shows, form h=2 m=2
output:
h=3 m=7
